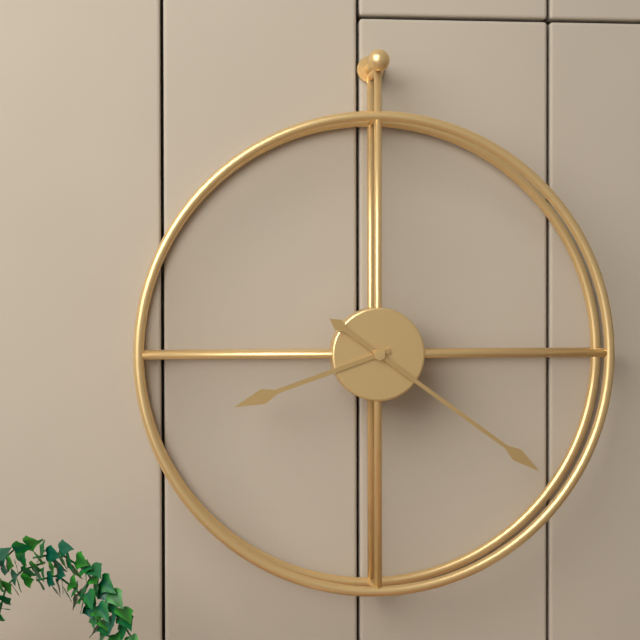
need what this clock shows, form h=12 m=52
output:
h=8 m=21
